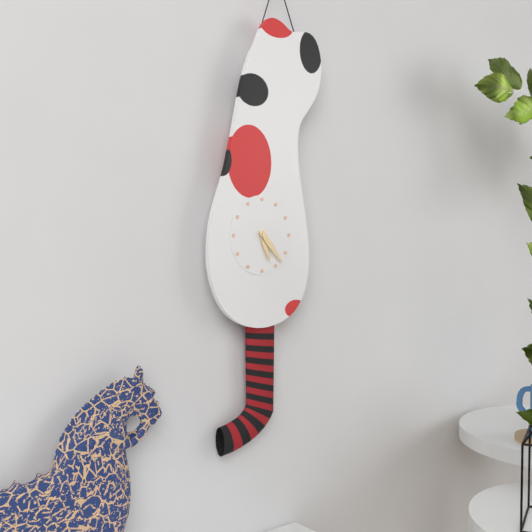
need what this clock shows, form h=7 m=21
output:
h=5 m=23
